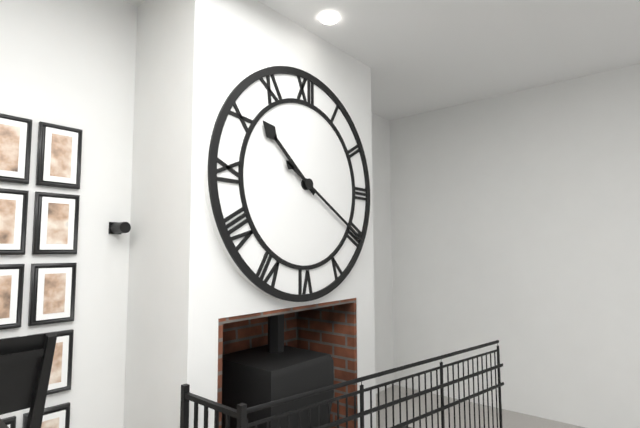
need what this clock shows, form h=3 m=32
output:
h=10 m=20
